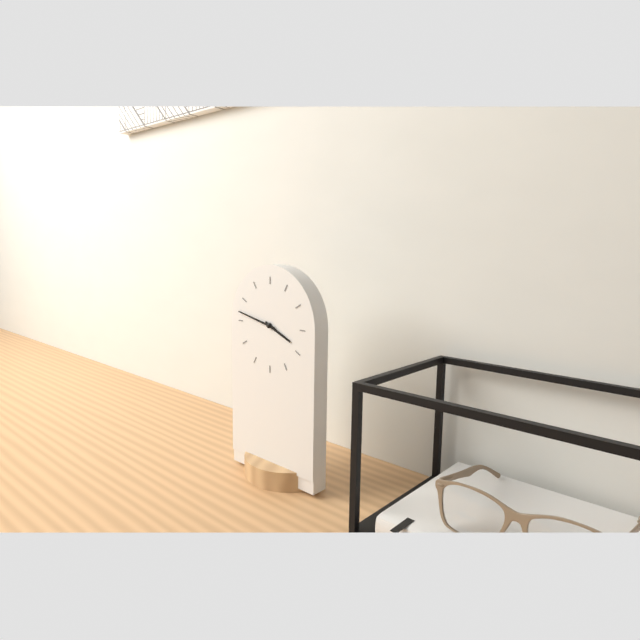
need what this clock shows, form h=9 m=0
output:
h=3 m=47
